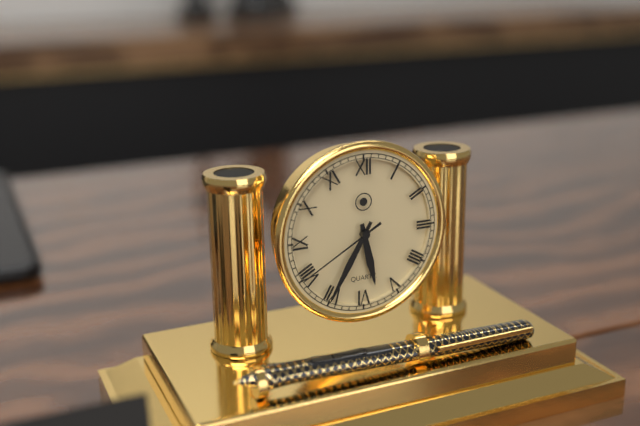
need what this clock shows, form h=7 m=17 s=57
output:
h=5 m=35 s=40
